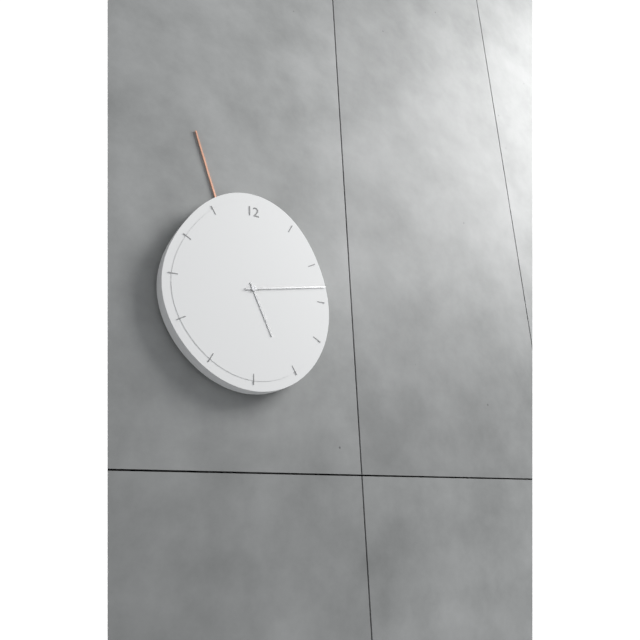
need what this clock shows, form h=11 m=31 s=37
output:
h=5 m=13 s=57
